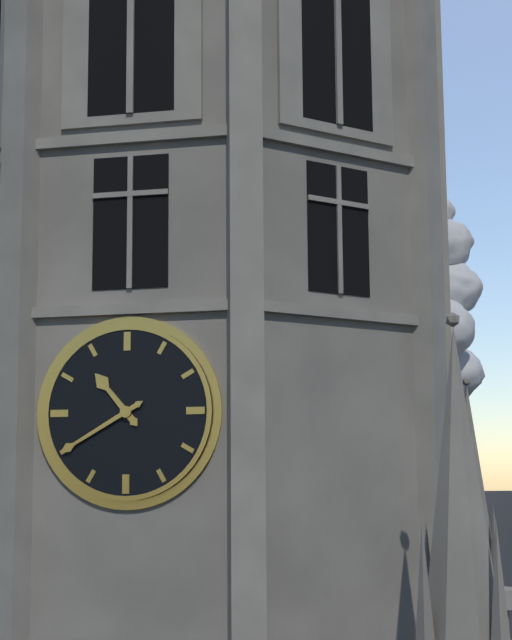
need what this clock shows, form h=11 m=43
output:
h=10 m=40
